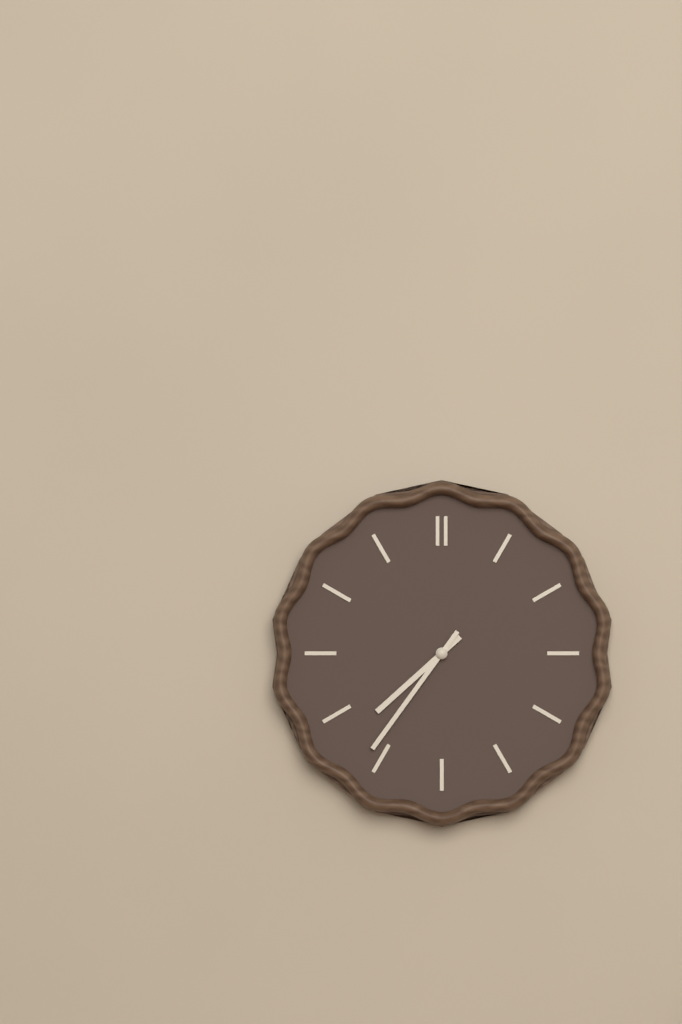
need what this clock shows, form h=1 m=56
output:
h=7 m=36
